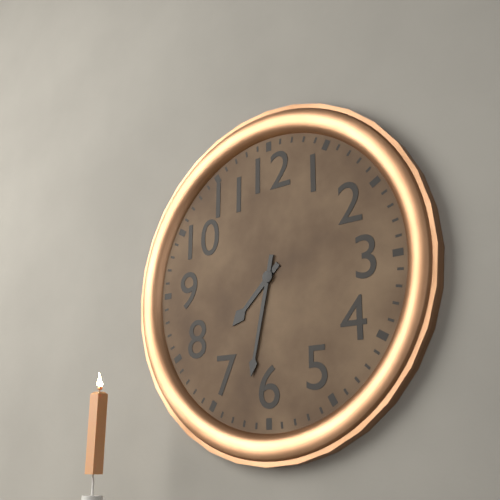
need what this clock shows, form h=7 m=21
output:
h=7 m=32
